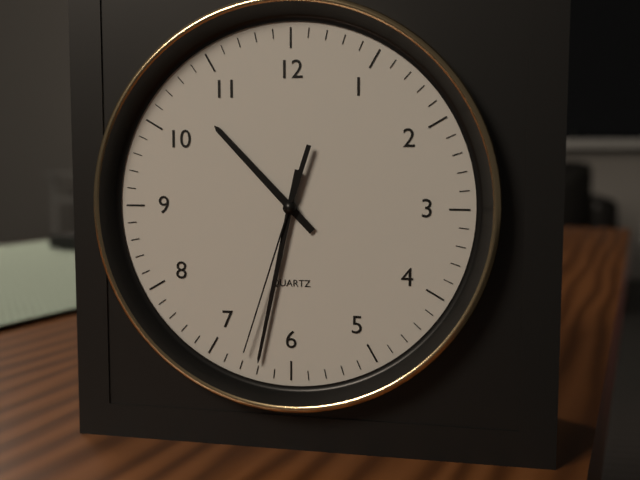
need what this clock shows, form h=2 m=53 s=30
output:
h=10 m=32 s=33
